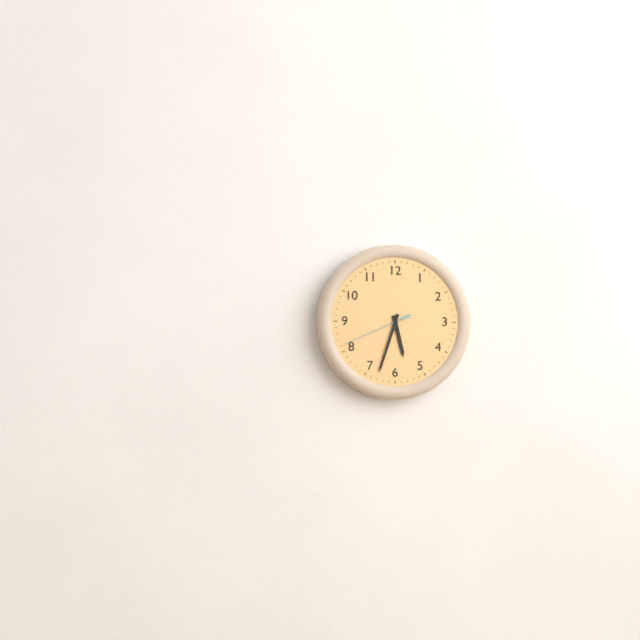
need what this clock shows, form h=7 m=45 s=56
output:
h=5 m=33 s=41
